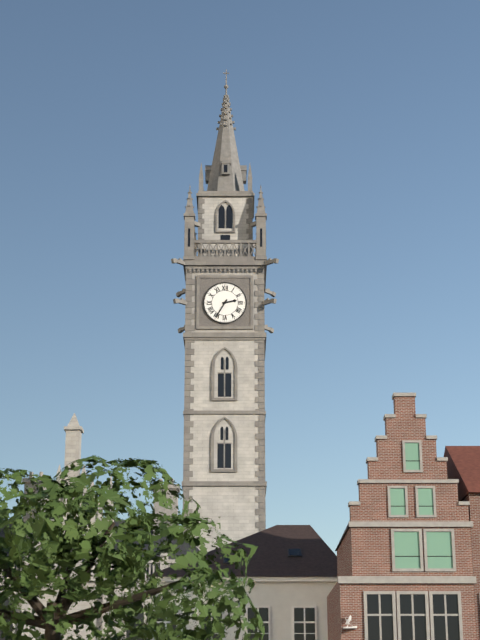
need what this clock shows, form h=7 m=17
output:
h=2 m=35
